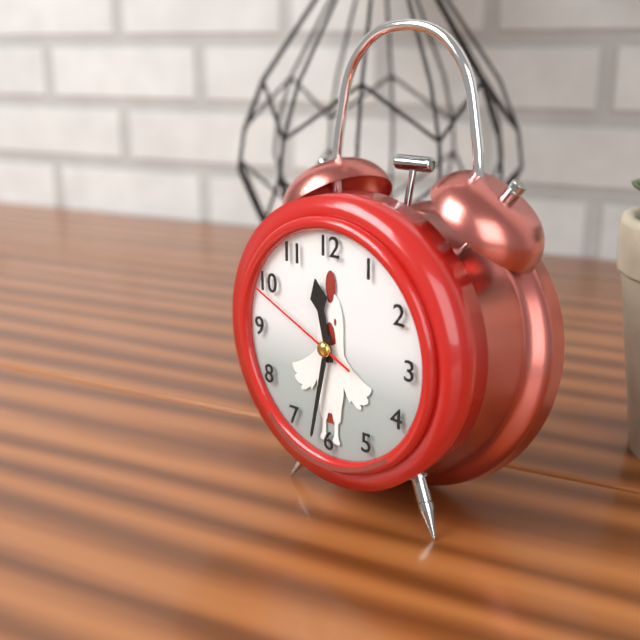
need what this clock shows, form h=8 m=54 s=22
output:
h=11 m=32 s=49
